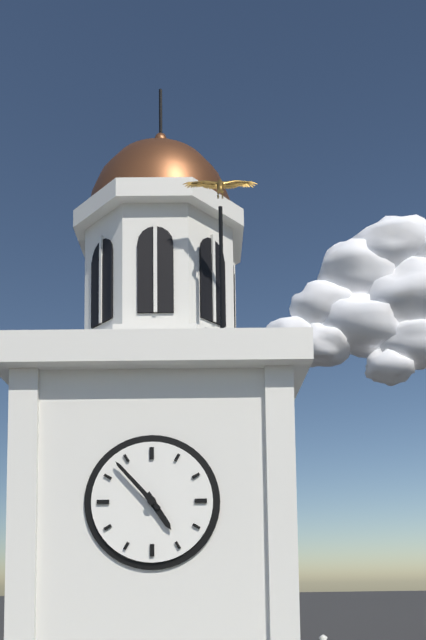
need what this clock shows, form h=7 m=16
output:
h=4 m=53
